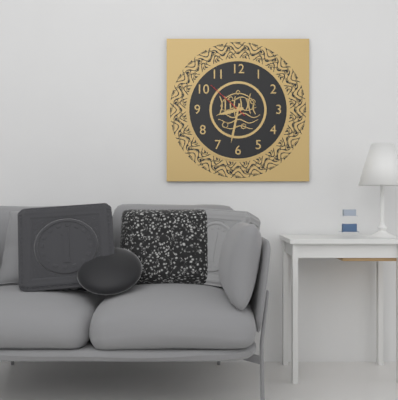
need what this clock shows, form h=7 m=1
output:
h=8 m=32
